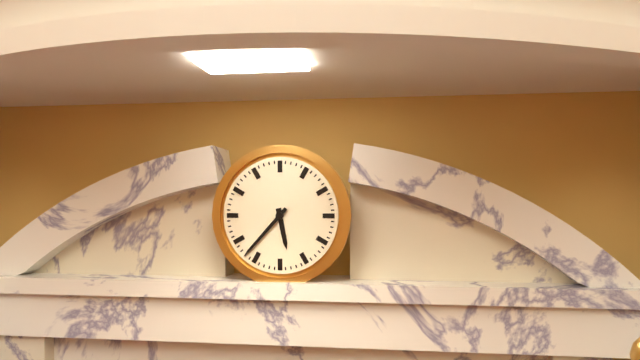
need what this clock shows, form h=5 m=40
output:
h=5 m=37
